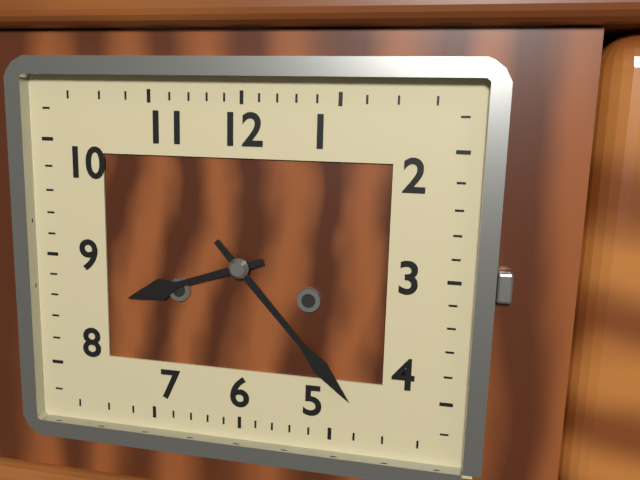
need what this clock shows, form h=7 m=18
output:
h=8 m=23
